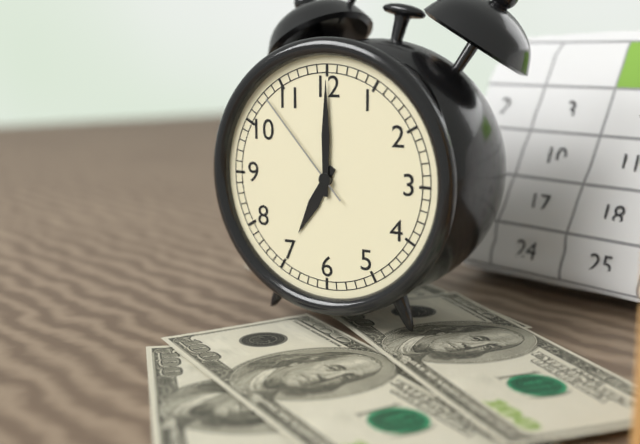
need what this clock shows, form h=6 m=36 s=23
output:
h=7 m=0 s=53
